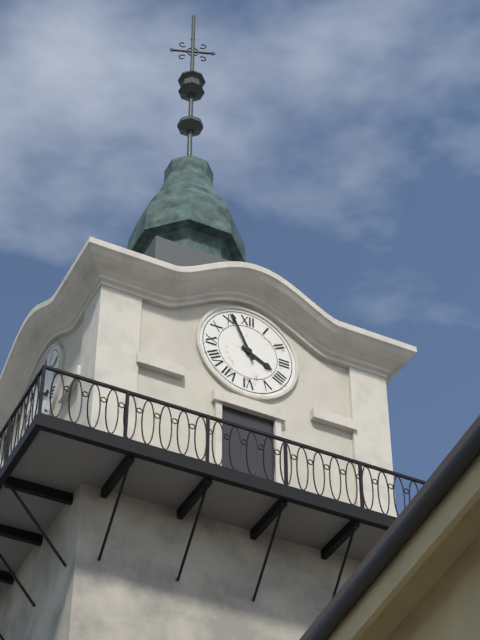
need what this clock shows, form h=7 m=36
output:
h=3 m=56
